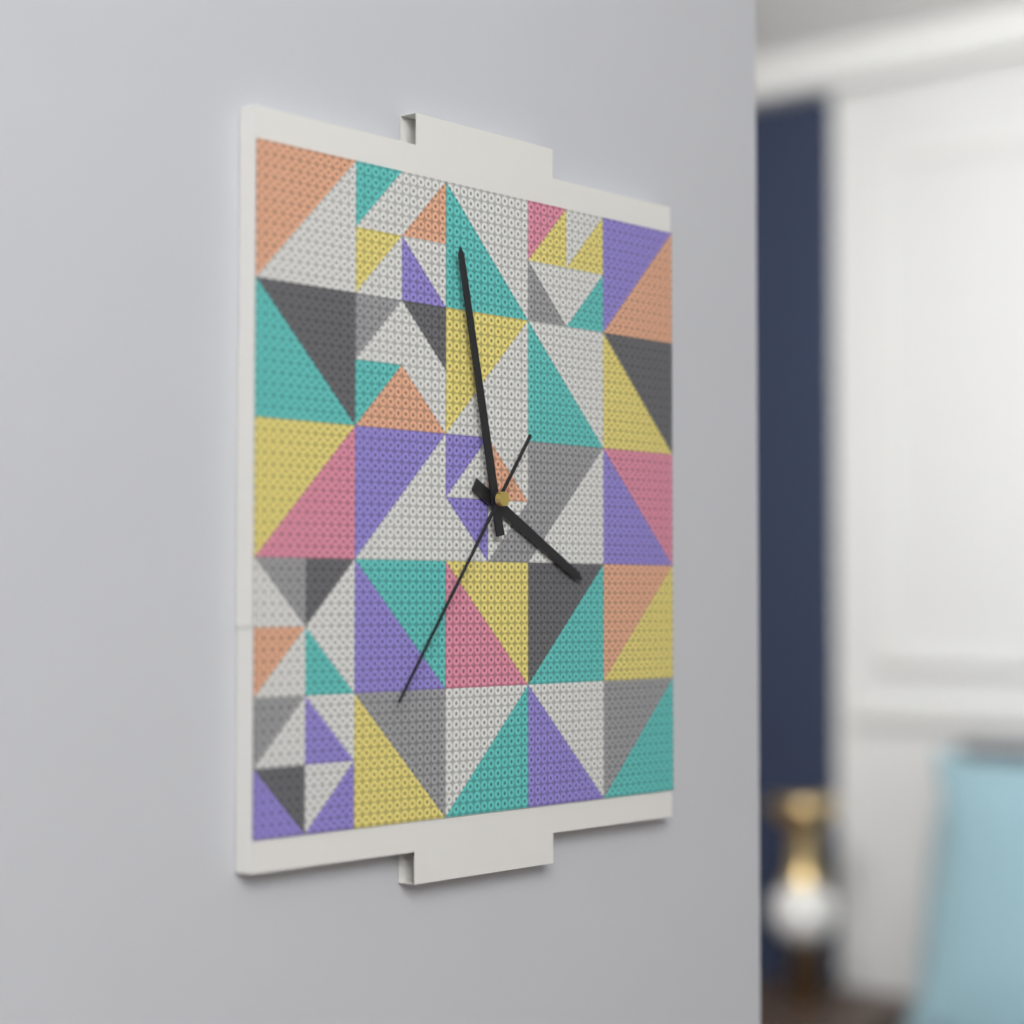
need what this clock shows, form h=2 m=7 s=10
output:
h=3 m=58 s=36
